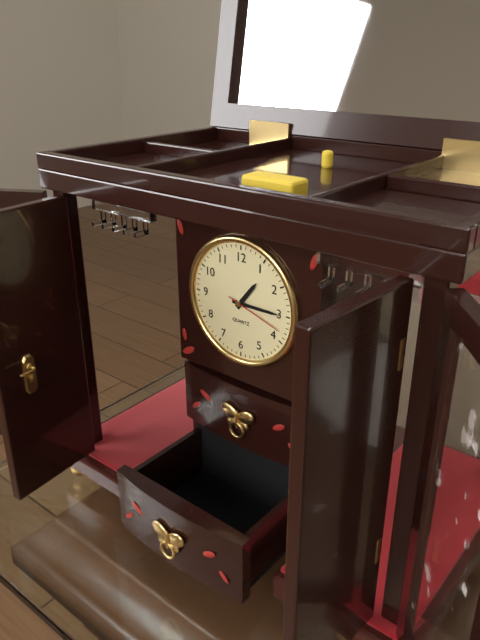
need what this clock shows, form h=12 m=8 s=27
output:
h=1 m=15 s=18
